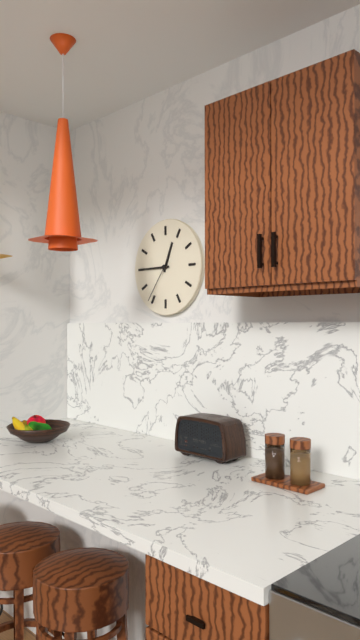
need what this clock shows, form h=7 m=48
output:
h=12 m=45
